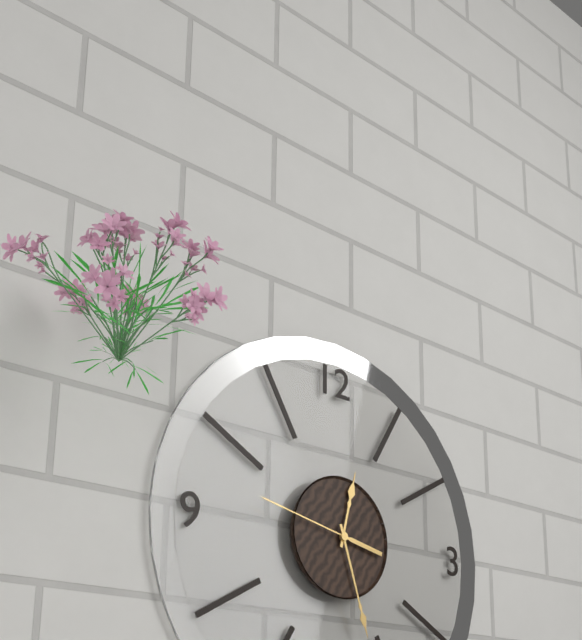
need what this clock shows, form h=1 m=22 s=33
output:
h=12 m=27 s=47
